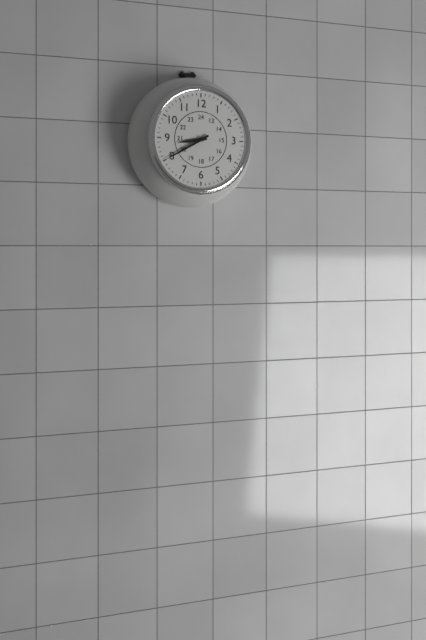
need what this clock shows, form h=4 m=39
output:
h=8 m=40
